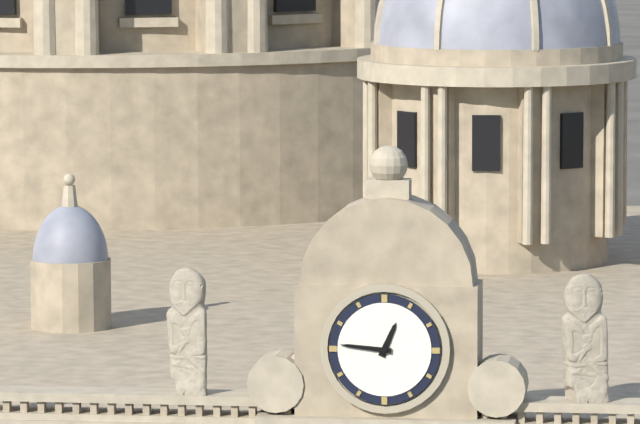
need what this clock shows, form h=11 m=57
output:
h=12 m=46
